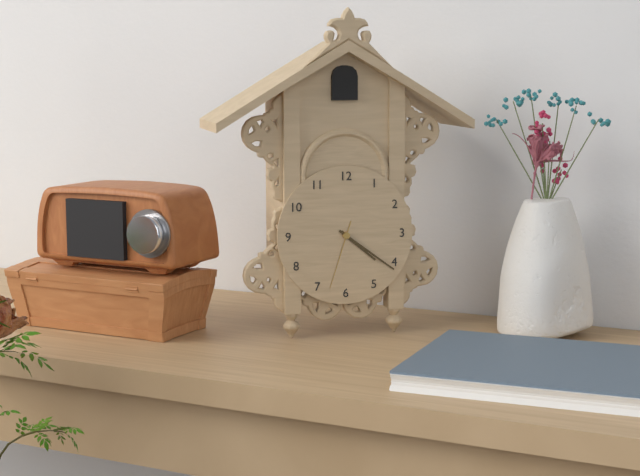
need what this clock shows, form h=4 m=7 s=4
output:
h=4 m=21 s=33
